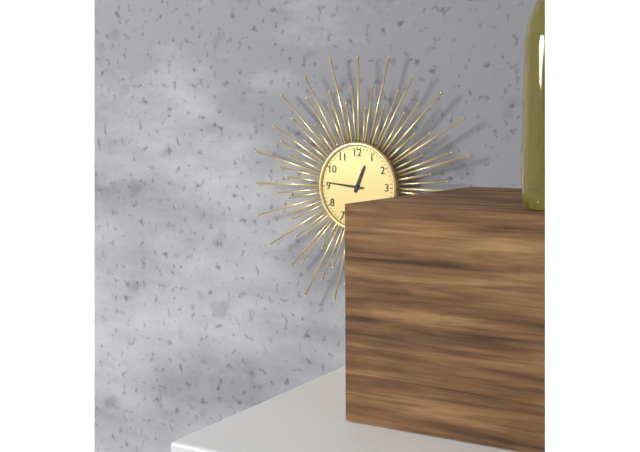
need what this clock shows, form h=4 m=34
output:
h=12 m=46
